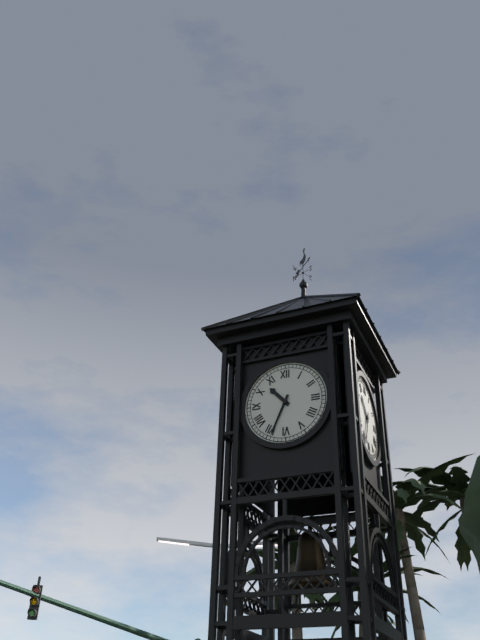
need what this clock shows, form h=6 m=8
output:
h=10 m=34
